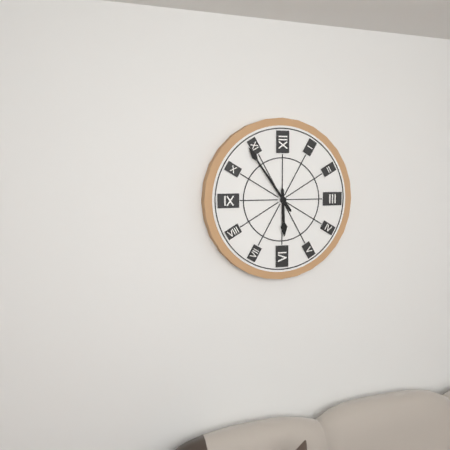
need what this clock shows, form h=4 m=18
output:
h=5 m=54
